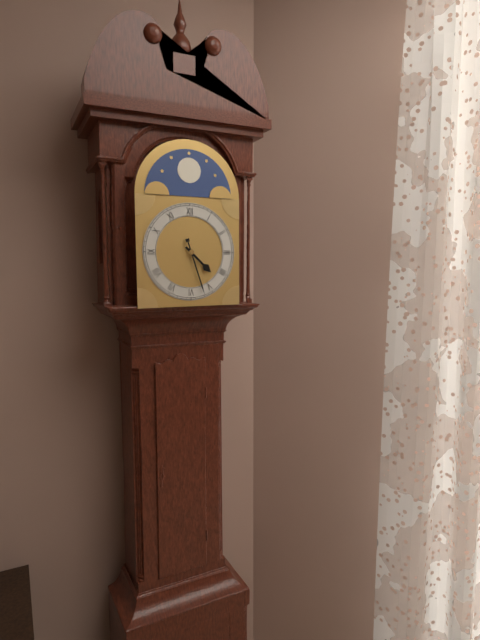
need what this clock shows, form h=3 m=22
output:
h=4 m=27
